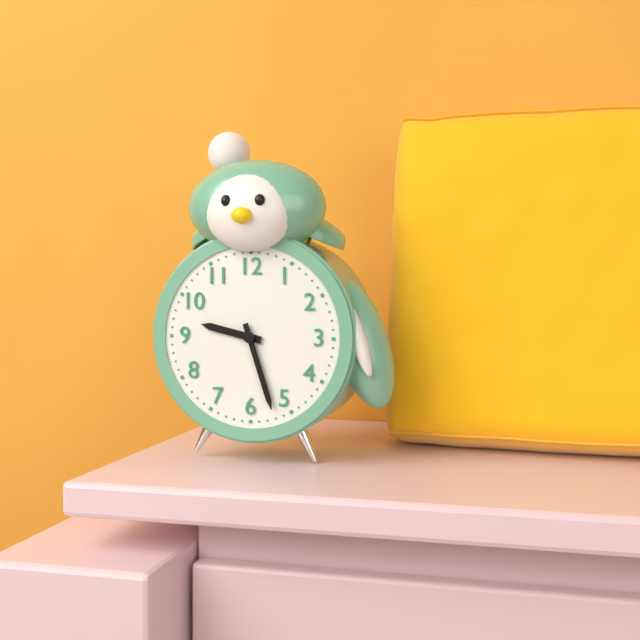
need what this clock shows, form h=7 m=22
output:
h=9 m=27
